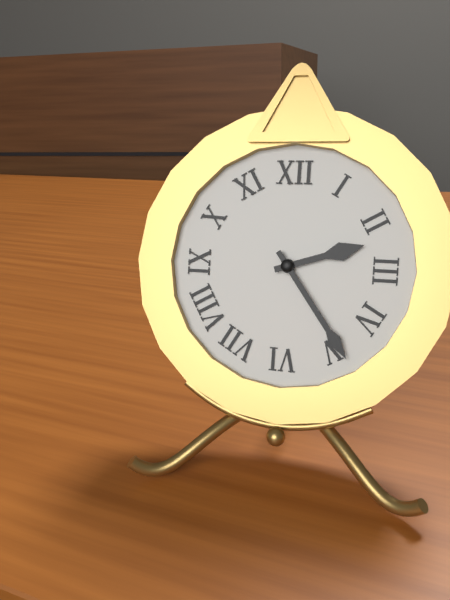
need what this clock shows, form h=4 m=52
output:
h=2 m=24
